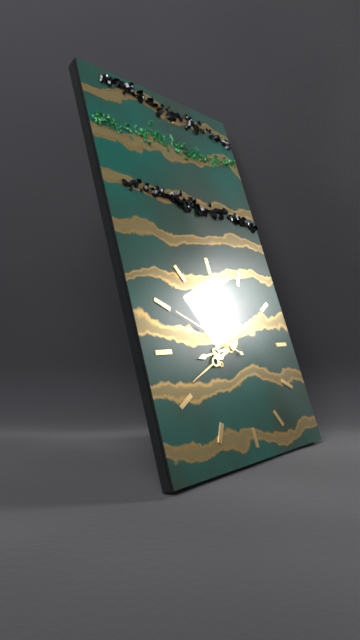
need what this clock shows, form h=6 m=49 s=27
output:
h=8 m=41 s=50
